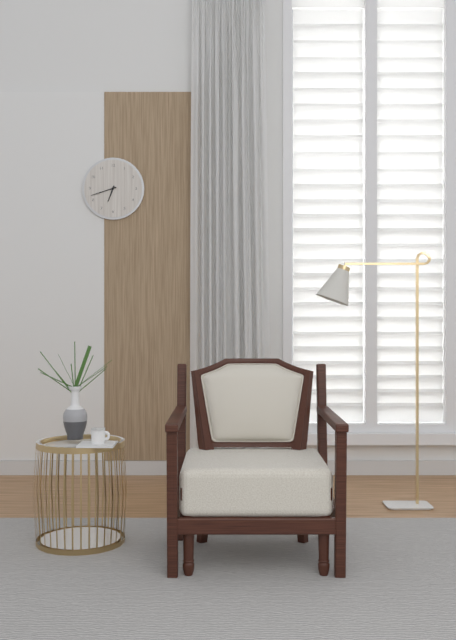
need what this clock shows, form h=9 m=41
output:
h=6 m=42
